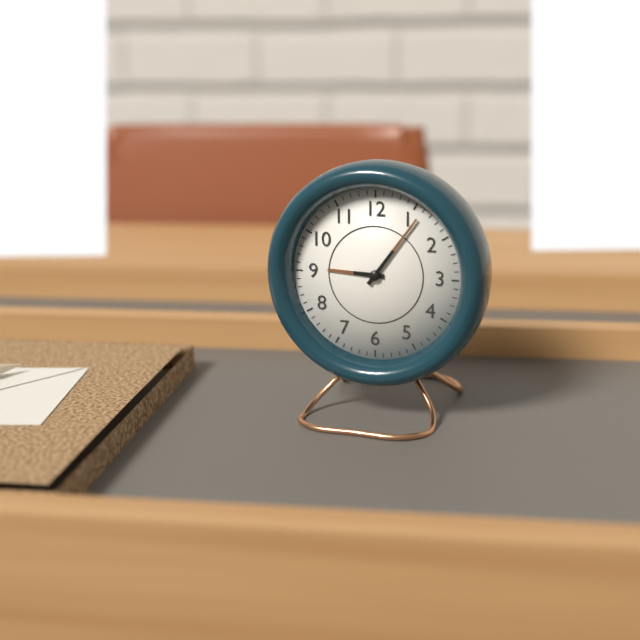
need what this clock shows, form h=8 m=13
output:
h=9 m=6
